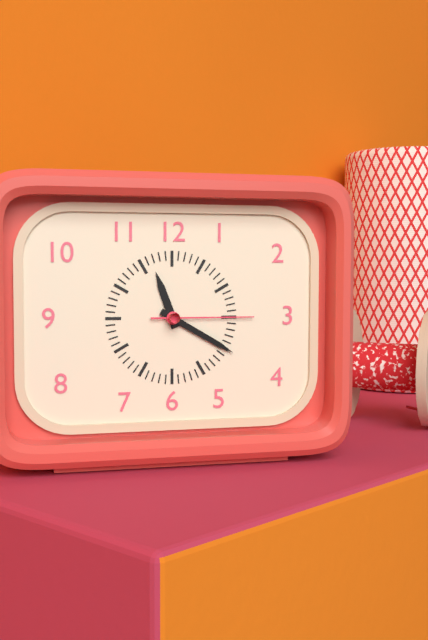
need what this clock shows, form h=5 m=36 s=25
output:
h=11 m=20 s=15
